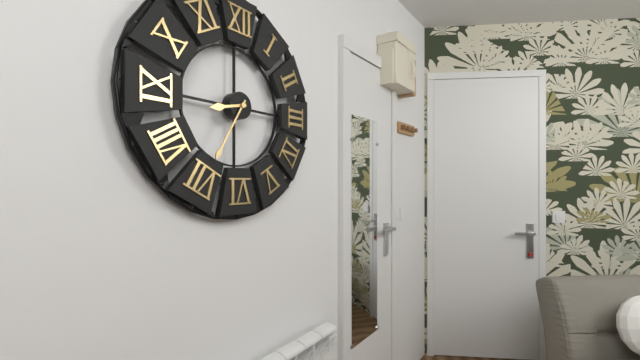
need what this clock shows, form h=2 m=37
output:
h=8 m=35
